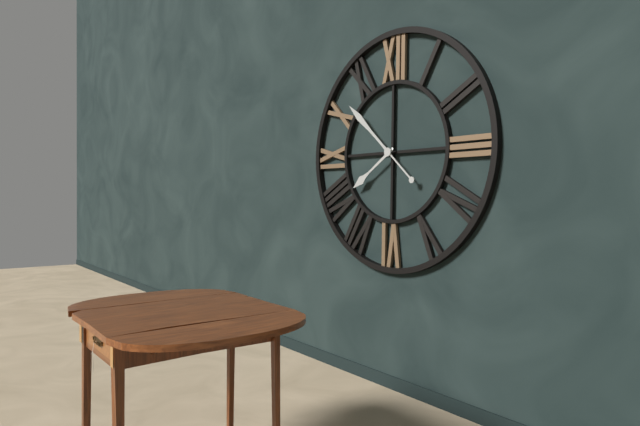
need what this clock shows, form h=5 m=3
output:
h=7 m=52
